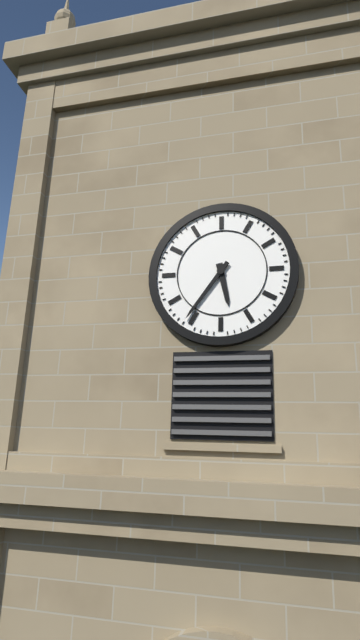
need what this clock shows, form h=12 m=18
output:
h=5 m=36
